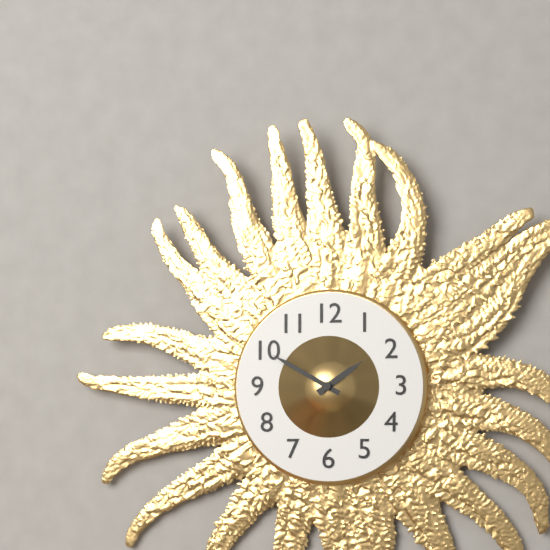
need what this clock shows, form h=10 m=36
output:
h=1 m=50
